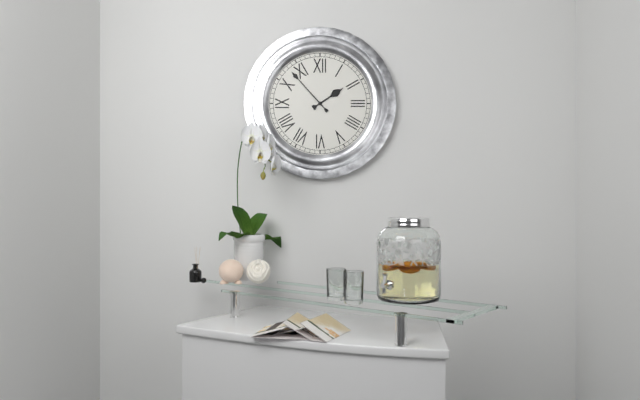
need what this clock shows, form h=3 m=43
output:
h=1 m=53
